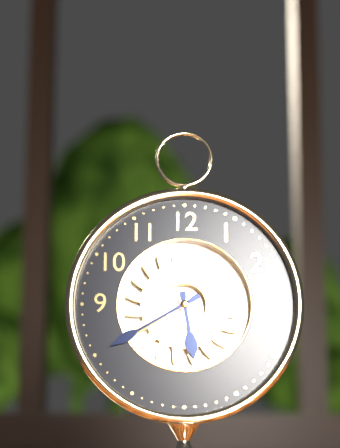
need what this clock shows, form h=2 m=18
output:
h=5 m=40
